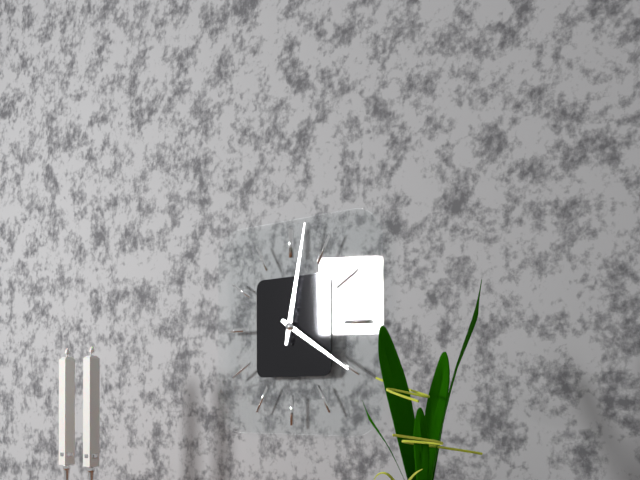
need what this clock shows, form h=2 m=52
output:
h=4 m=2
